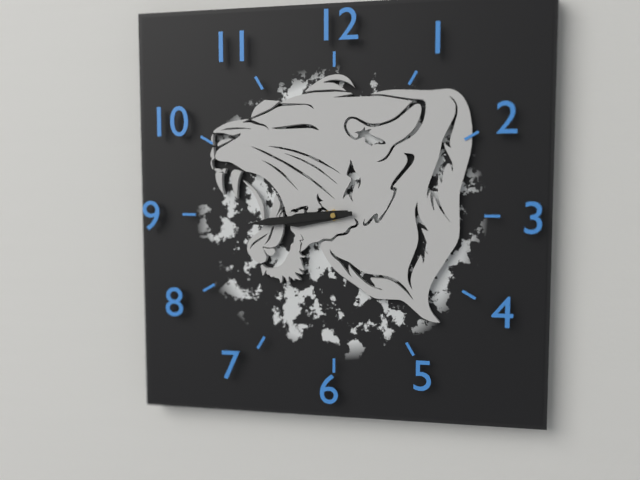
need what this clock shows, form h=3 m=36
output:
h=8 m=44
